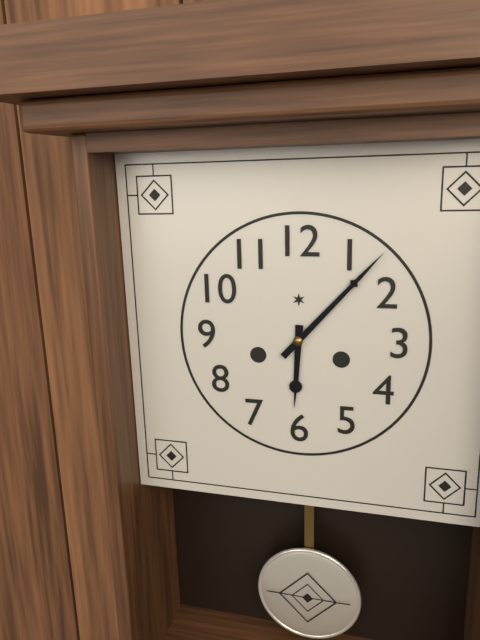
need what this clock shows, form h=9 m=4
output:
h=6 m=7
